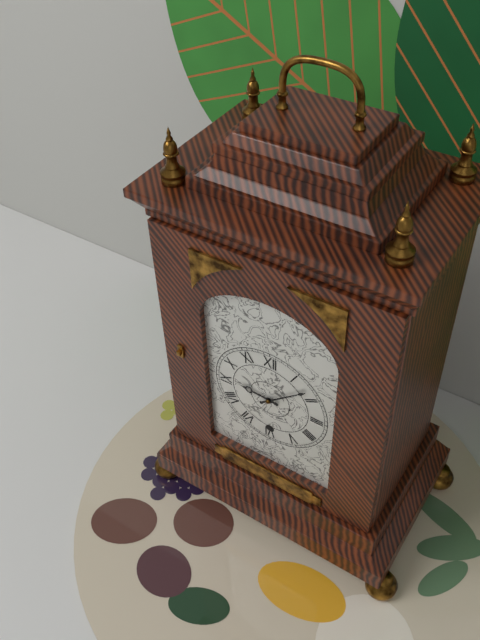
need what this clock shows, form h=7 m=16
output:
h=9 m=8
